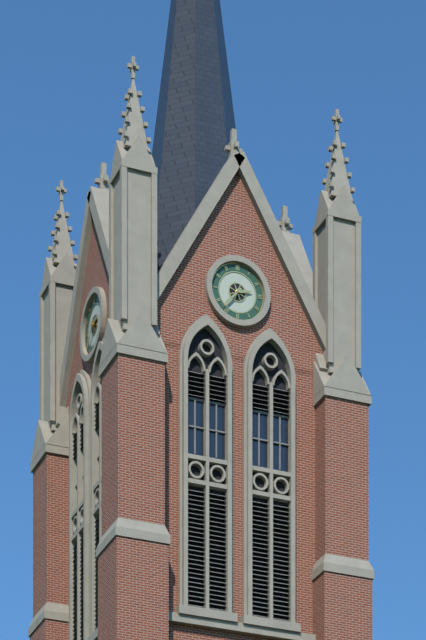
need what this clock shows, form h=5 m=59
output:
h=2 m=37
